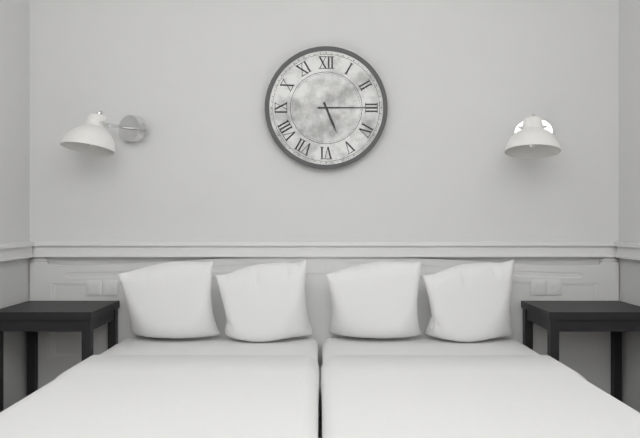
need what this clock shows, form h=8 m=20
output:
h=5 m=15
